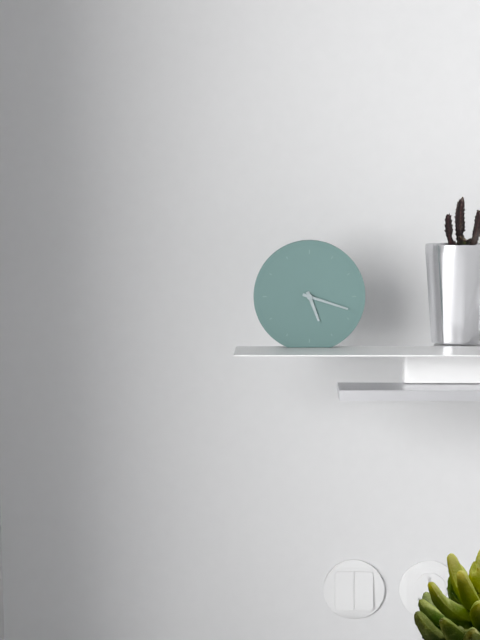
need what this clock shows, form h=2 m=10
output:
h=5 m=18
